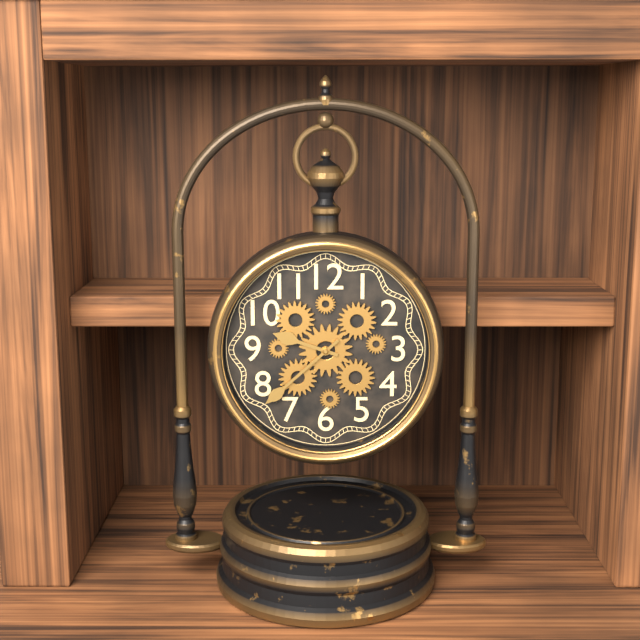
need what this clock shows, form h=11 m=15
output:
h=9 m=38
